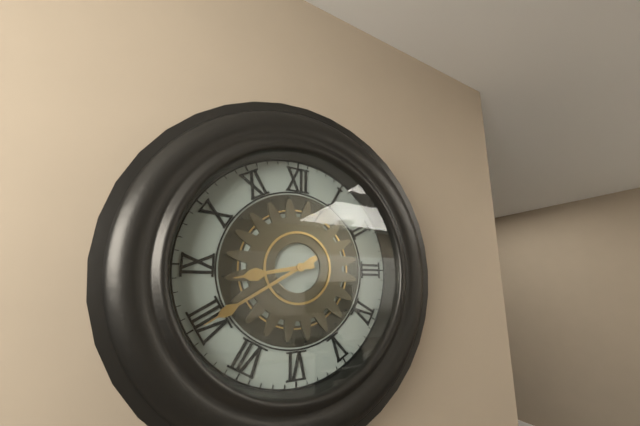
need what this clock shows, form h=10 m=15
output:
h=8 m=40
